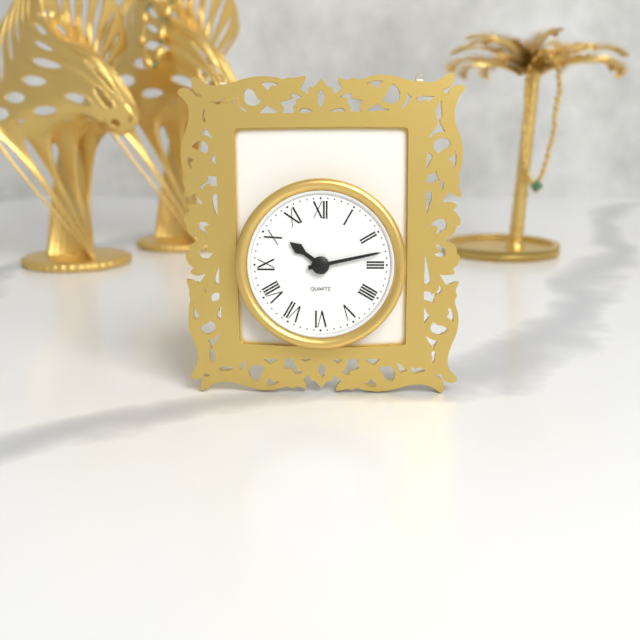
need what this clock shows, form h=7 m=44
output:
h=10 m=13
